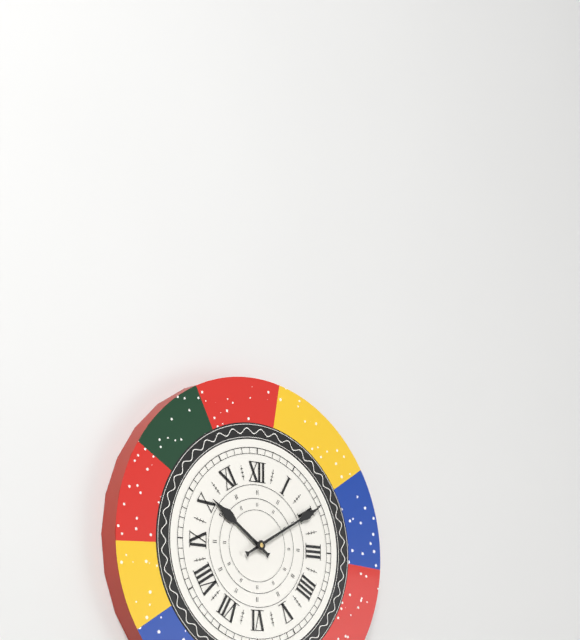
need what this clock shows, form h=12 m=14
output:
h=10 m=10
